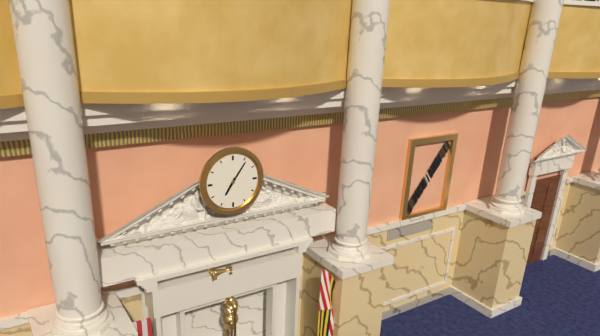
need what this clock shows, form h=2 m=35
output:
h=7 m=6
